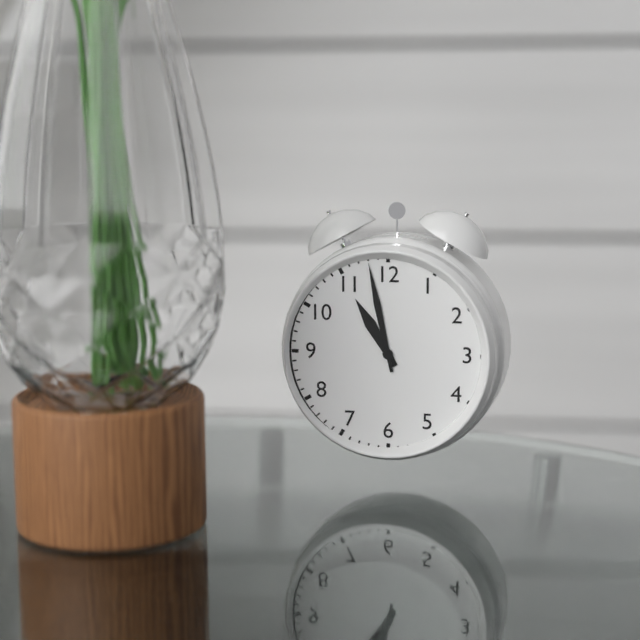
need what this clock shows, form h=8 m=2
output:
h=10 m=58
